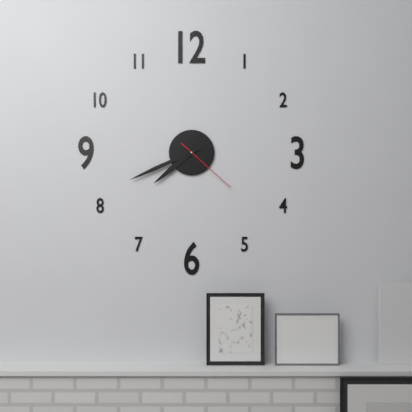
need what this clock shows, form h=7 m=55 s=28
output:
h=7 m=41 s=22
